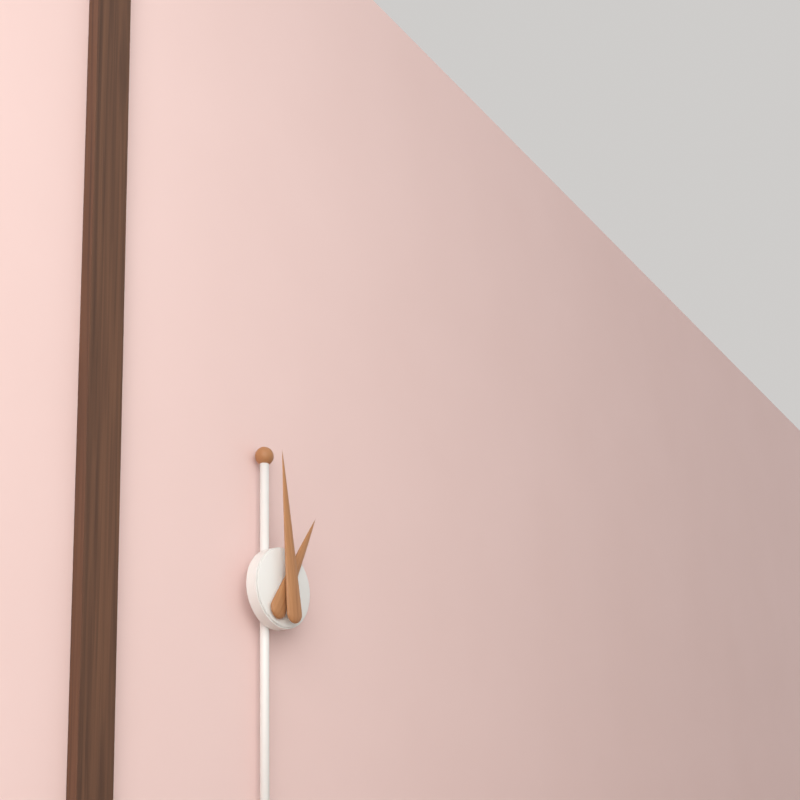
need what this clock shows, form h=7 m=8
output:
h=12 m=59
